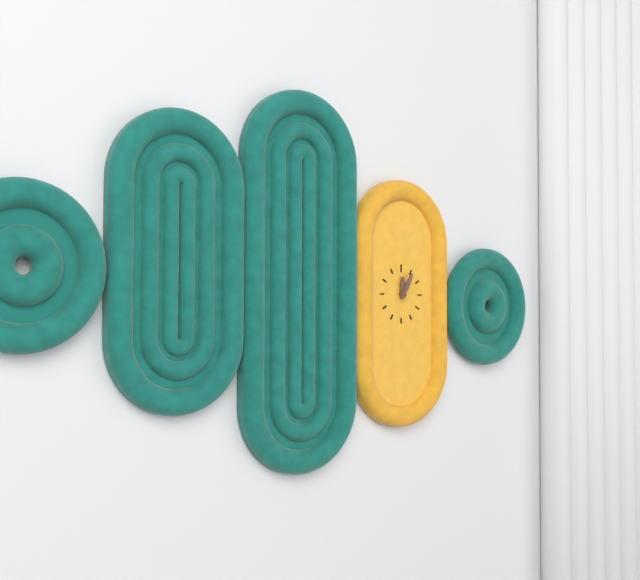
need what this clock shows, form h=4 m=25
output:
h=12 m=5
